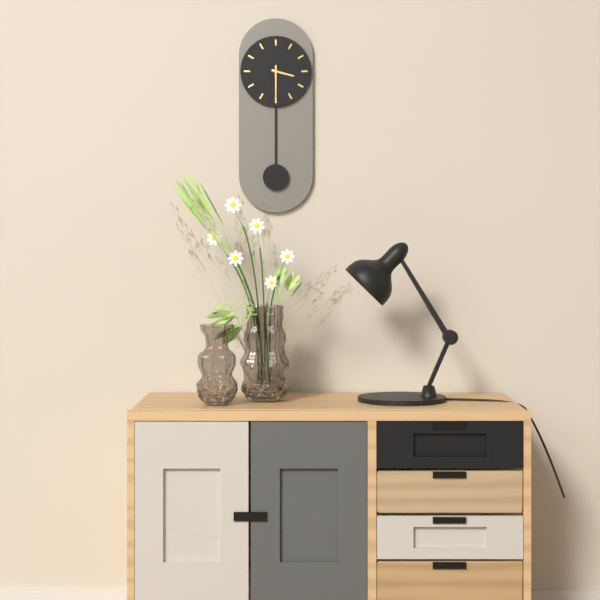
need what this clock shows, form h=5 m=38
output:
h=3 m=30
